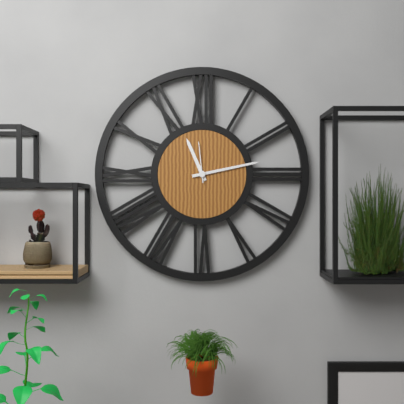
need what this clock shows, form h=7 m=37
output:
h=11 m=13
